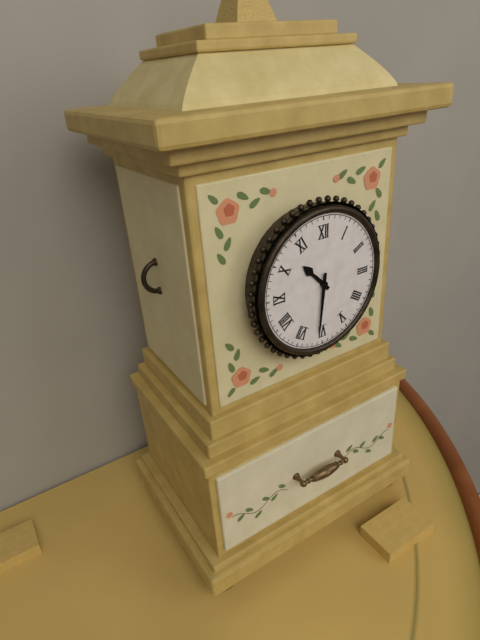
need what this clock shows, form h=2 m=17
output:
h=10 m=31
